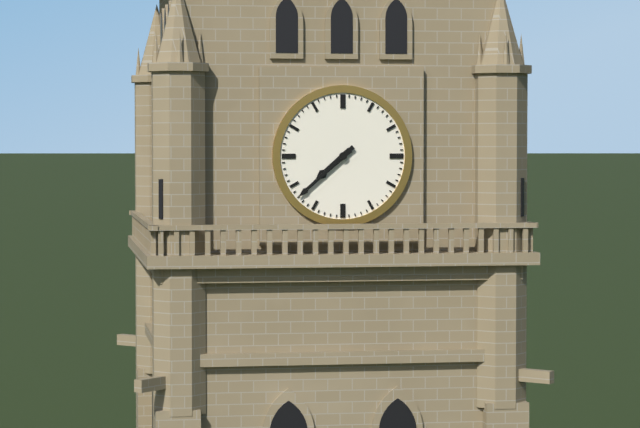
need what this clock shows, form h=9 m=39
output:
h=7 m=38
